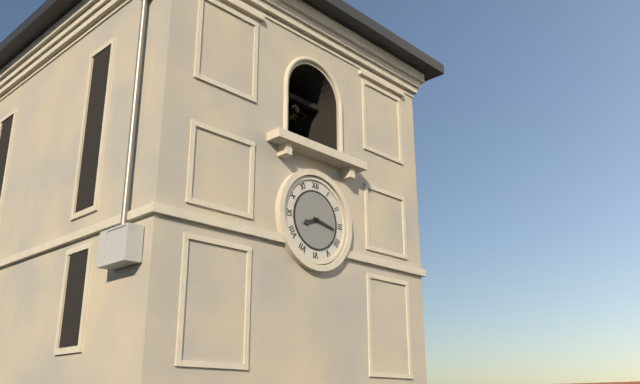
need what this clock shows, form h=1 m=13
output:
h=8 m=17
